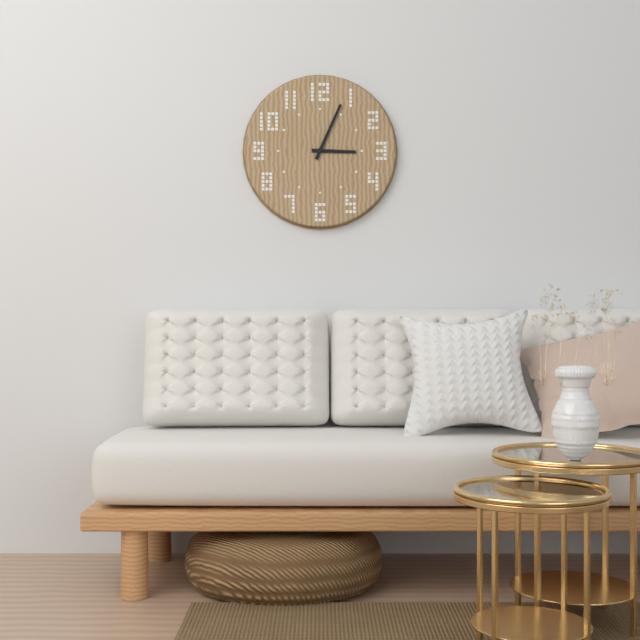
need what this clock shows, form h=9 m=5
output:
h=3 m=4
